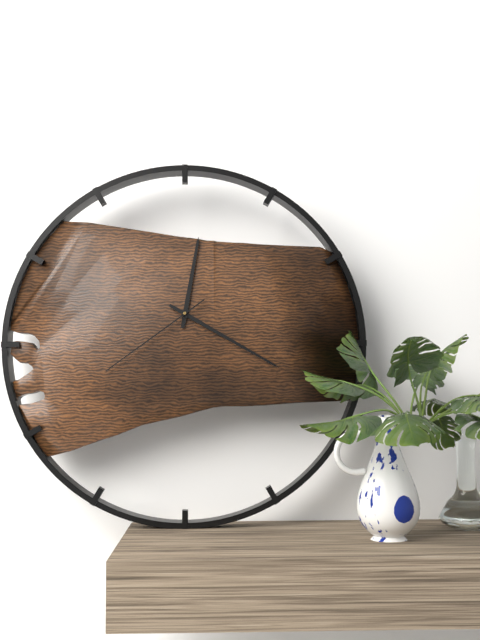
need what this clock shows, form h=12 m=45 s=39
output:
h=12 m=20 s=39
